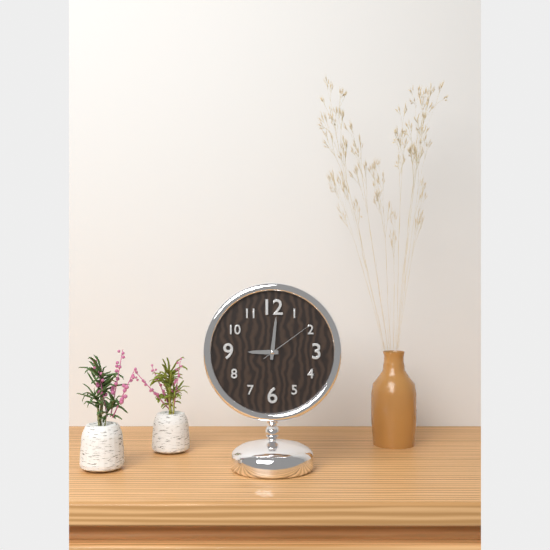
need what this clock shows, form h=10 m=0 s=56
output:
h=9 m=1 s=9
